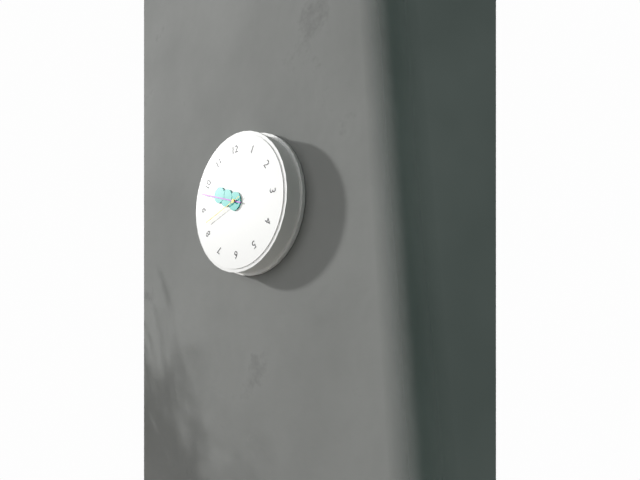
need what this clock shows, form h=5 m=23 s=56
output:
h=9 m=48 s=42
